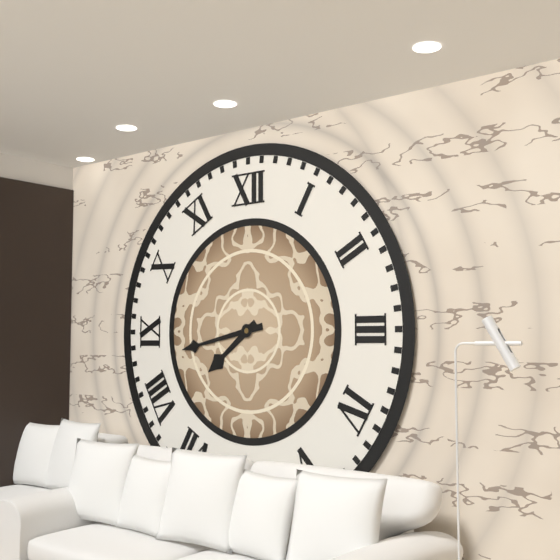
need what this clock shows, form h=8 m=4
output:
h=7 m=43
